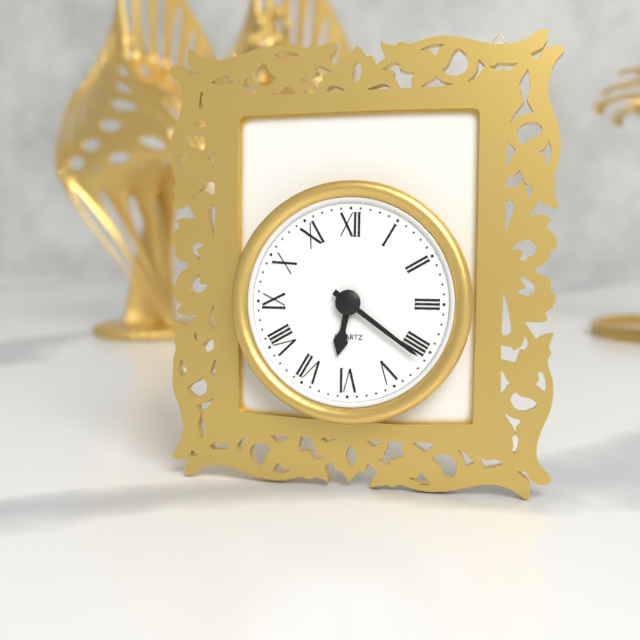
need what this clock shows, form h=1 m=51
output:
h=6 m=21
